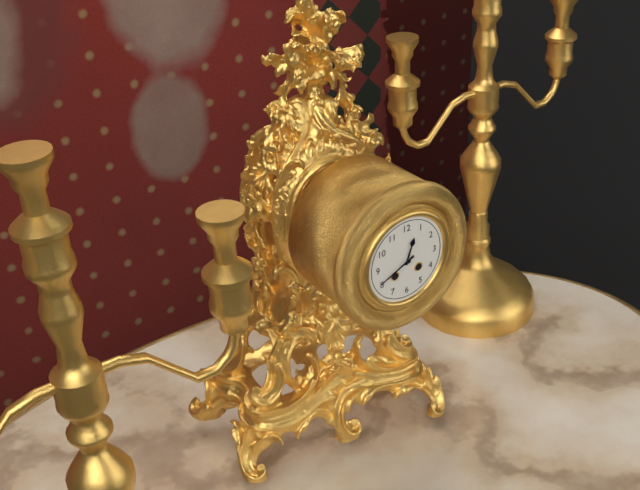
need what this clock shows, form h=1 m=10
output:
h=12 m=41
